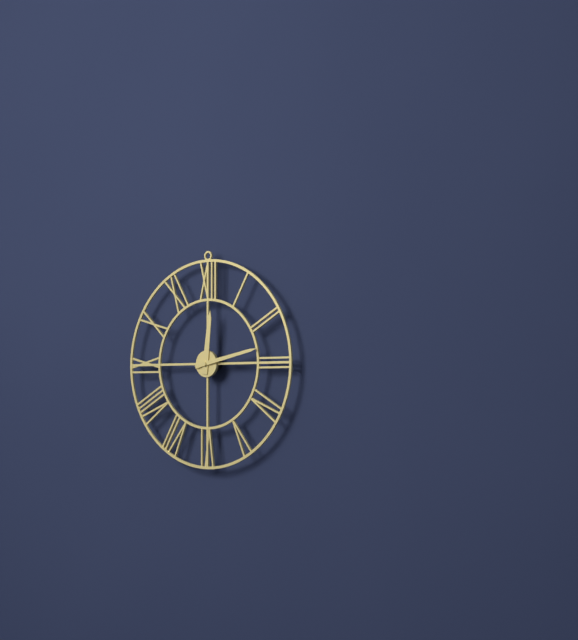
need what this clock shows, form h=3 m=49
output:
h=12 m=13
